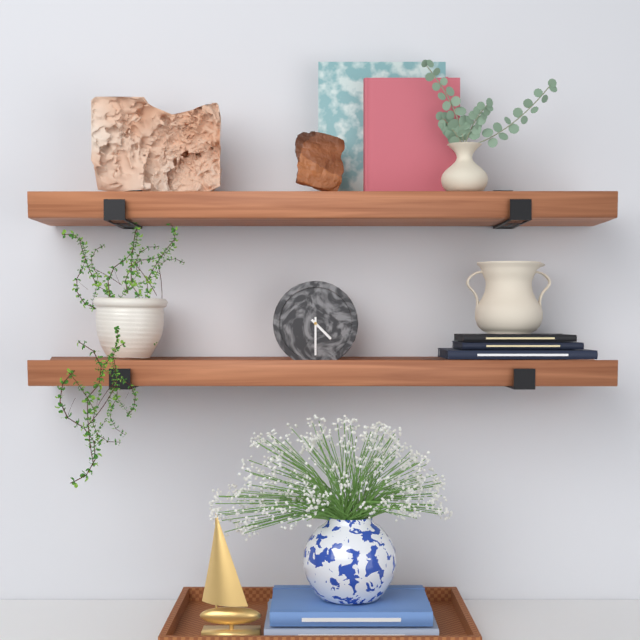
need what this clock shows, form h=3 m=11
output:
h=4 m=30
